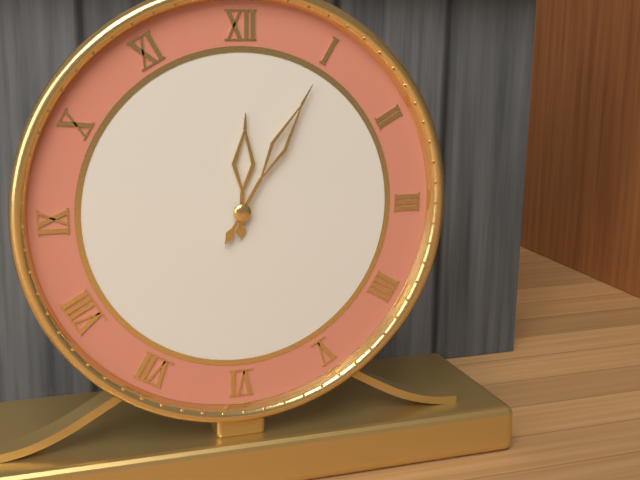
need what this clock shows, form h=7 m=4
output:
h=12 m=5
